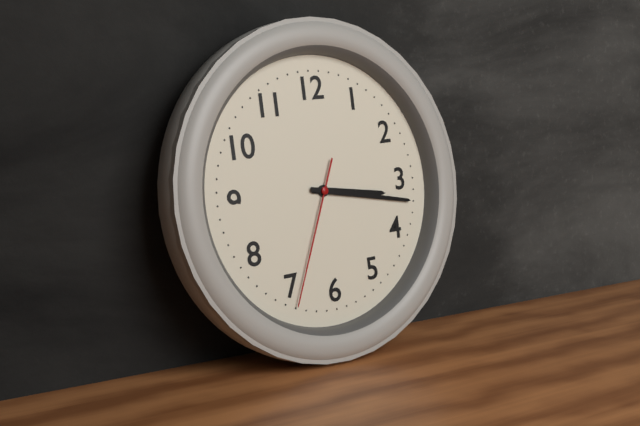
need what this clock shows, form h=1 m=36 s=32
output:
h=3 m=17 s=34
